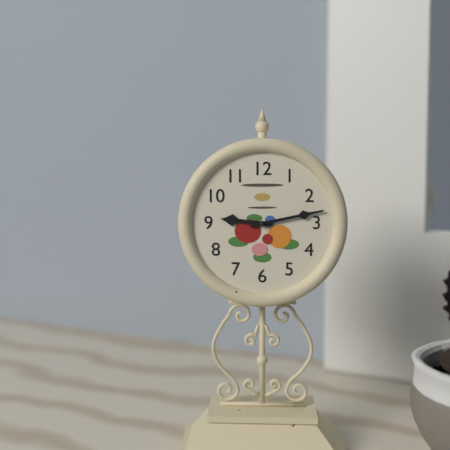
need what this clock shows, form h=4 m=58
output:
h=9 m=13
